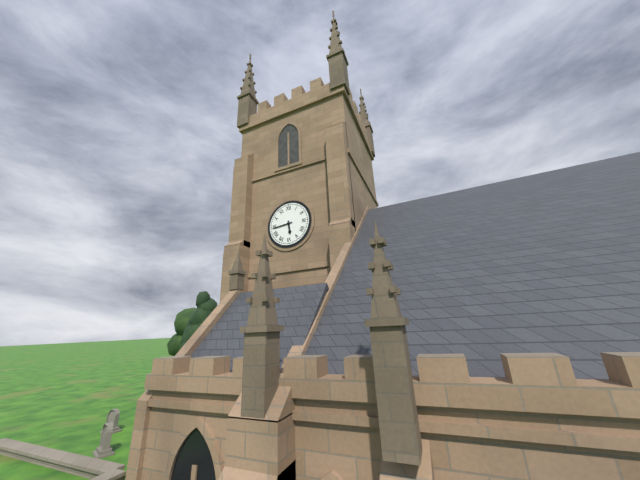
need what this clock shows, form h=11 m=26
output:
h=5 m=44
